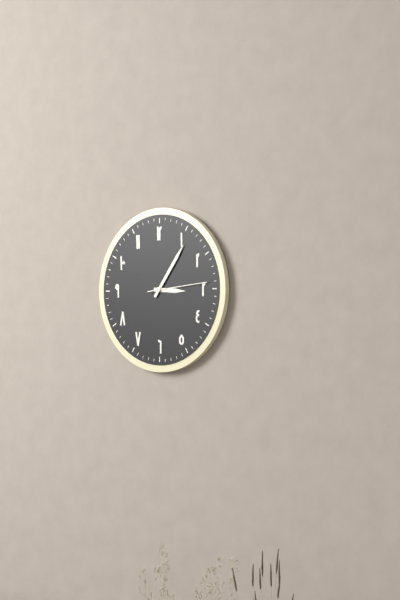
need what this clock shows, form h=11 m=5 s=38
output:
h=3 m=6 s=14
